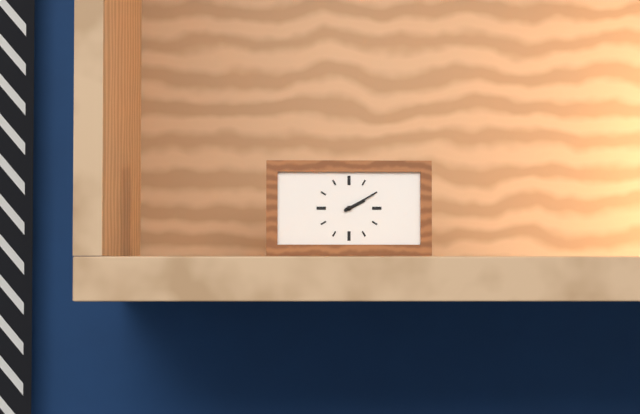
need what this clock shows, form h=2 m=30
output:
h=2 m=10
